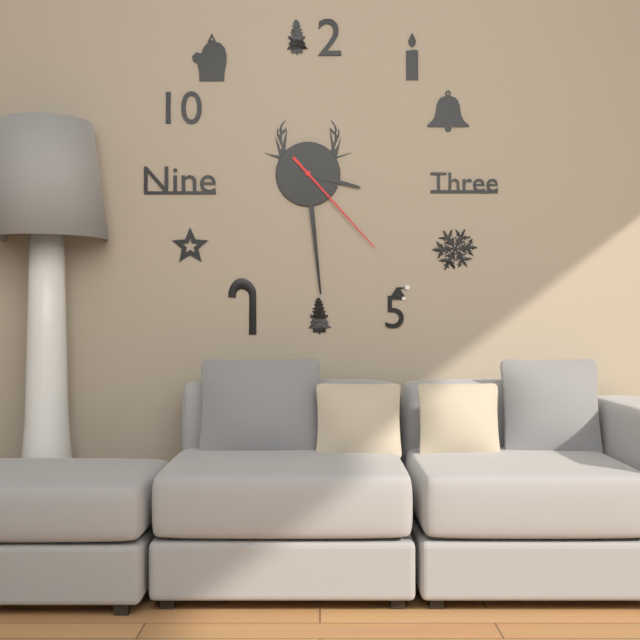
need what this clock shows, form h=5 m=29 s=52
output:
h=3 m=29 s=23
